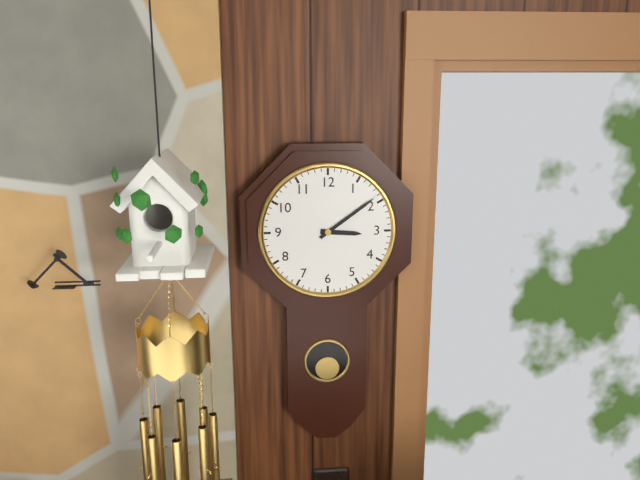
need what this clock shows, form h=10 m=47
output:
h=3 m=9
